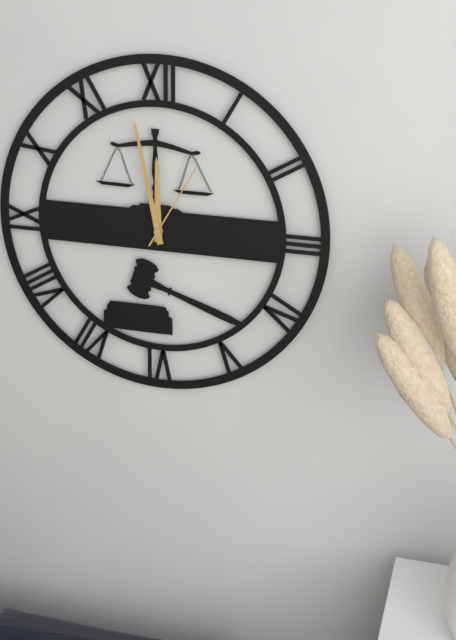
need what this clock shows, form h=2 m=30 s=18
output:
h=11 m=58 s=5
